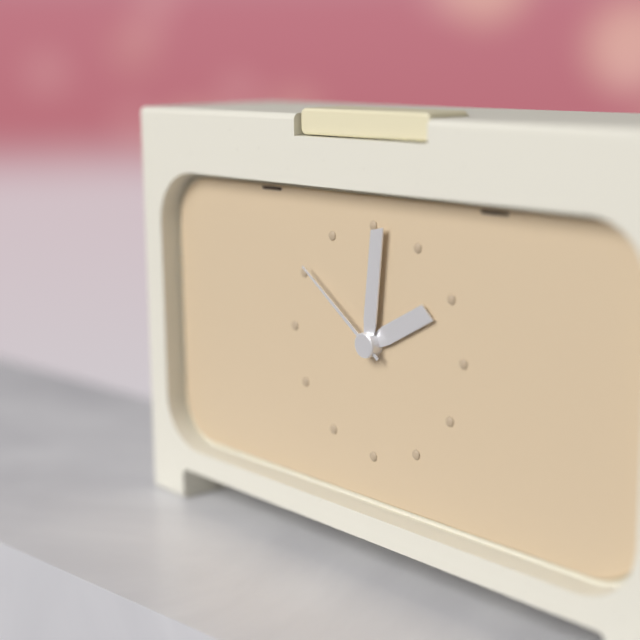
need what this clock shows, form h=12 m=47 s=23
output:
h=2 m=1 s=51
